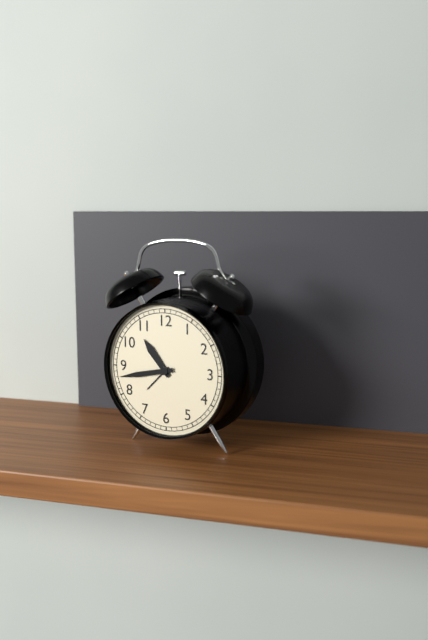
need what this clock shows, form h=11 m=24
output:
h=10 m=43
